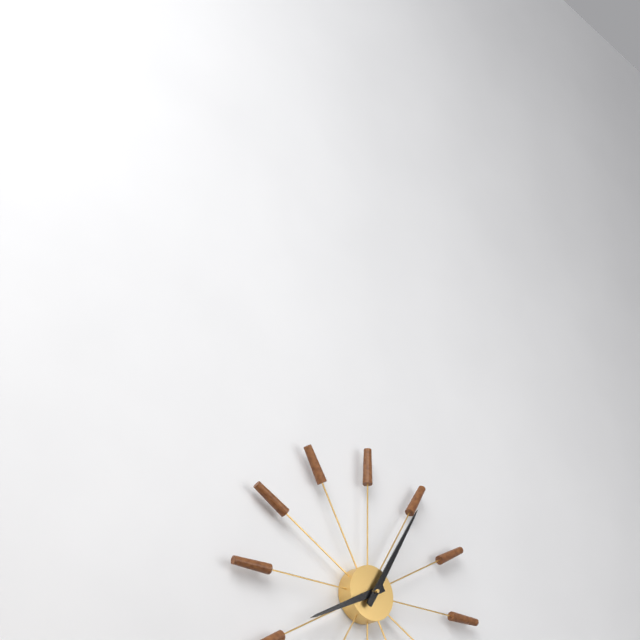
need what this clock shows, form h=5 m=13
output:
h=8 m=5
